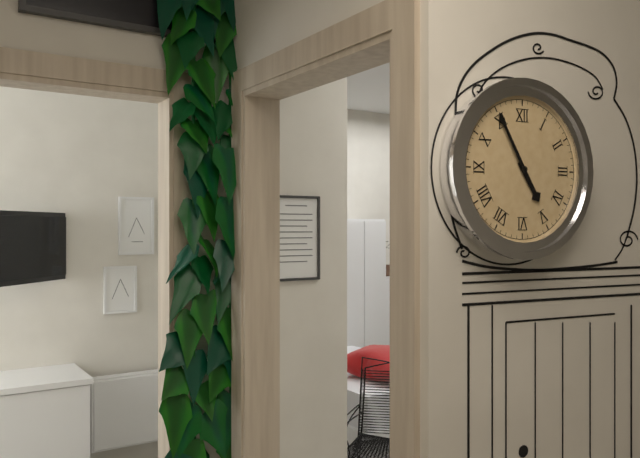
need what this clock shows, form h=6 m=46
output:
h=4 m=55
